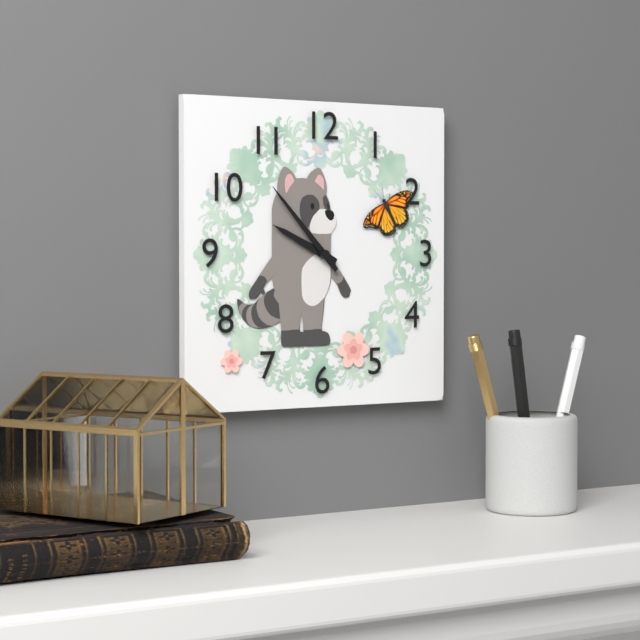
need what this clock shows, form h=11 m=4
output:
h=9 m=53
